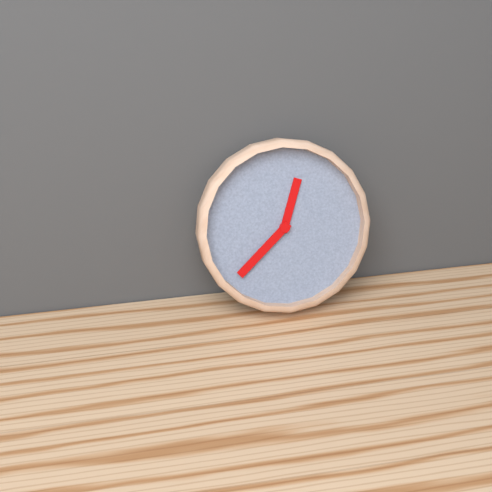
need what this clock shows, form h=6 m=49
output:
h=12 m=38
